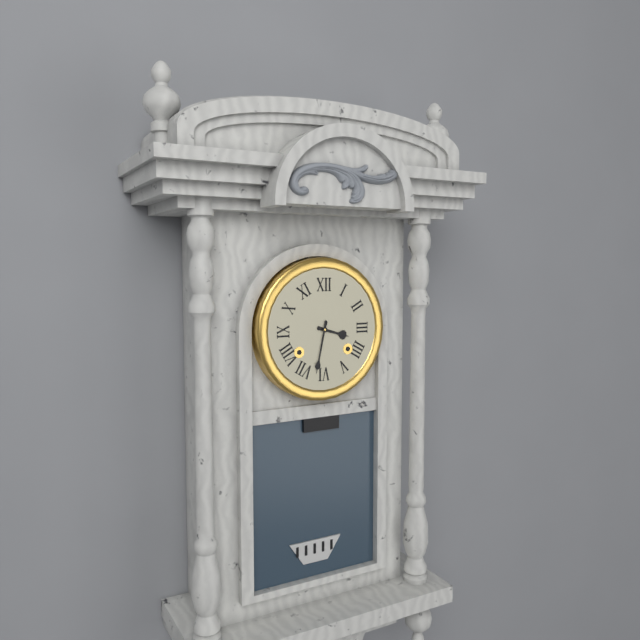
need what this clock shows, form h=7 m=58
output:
h=3 m=32
